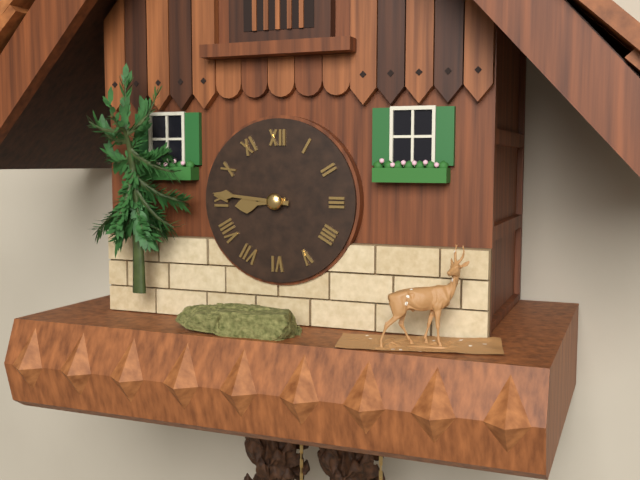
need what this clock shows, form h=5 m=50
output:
h=8 m=46
